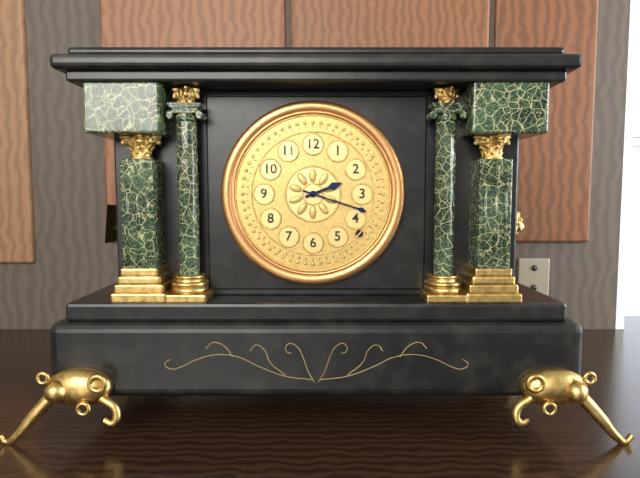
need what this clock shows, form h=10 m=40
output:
h=2 m=18
